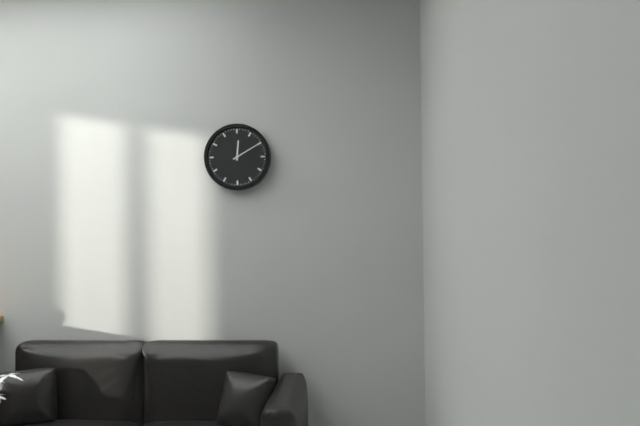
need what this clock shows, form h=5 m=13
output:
h=12 m=10
